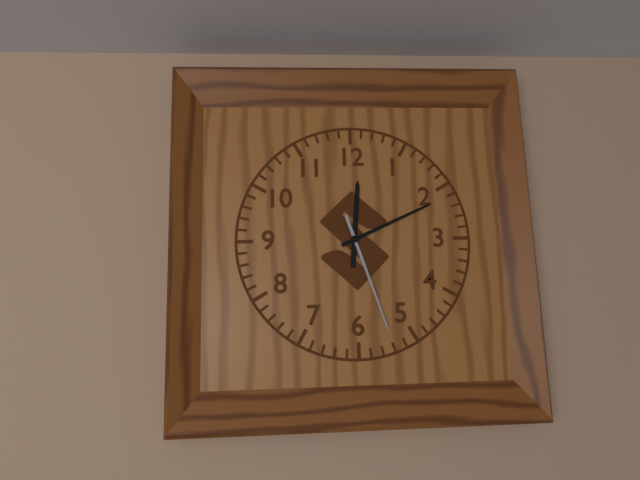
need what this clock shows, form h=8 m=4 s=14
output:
h=12 m=11 s=27
